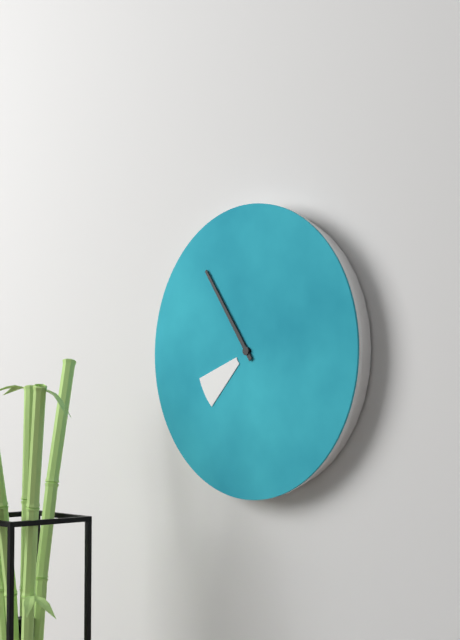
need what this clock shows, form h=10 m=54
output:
h=7 m=54
